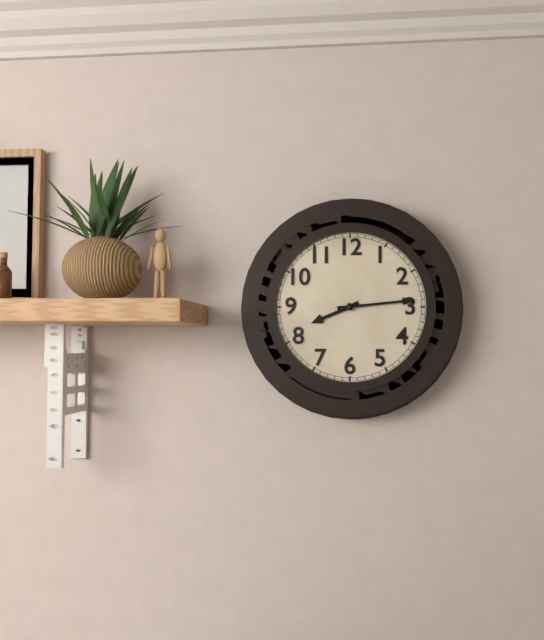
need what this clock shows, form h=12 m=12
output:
h=8 m=14
